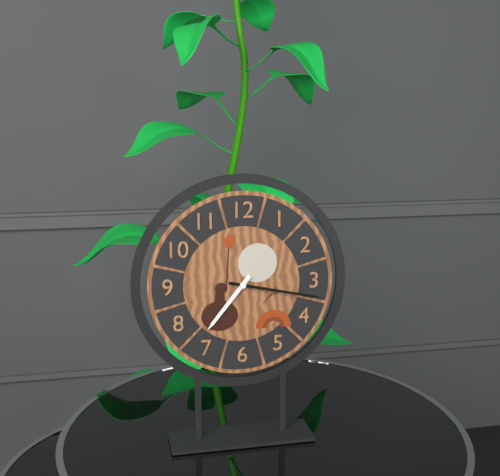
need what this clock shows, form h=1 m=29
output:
h=7 m=17
